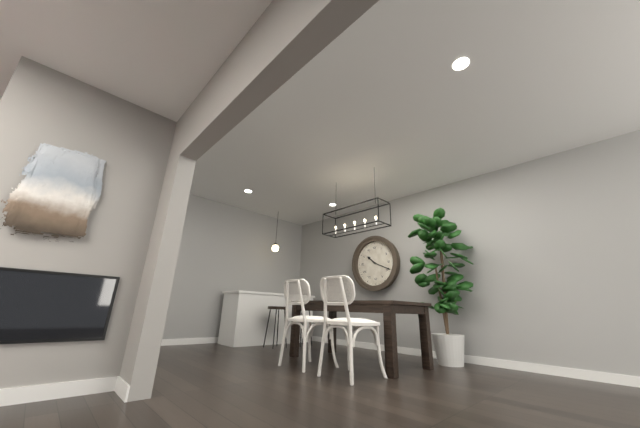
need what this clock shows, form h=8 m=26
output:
h=10 m=19
